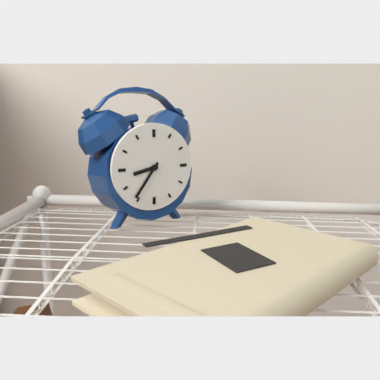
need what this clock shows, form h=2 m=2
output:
h=8 m=36
